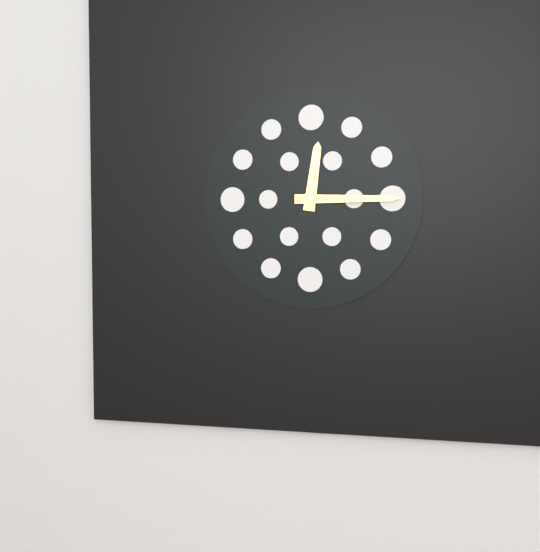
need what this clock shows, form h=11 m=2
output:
h=12 m=15
